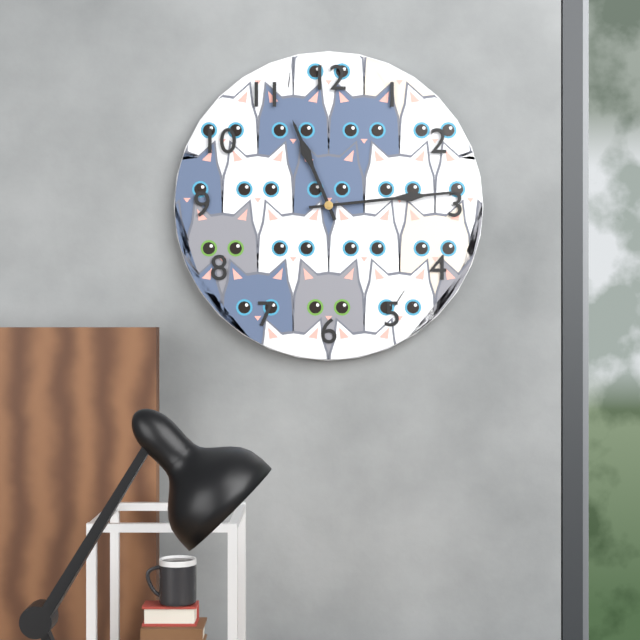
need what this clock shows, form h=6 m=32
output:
h=11 m=14
